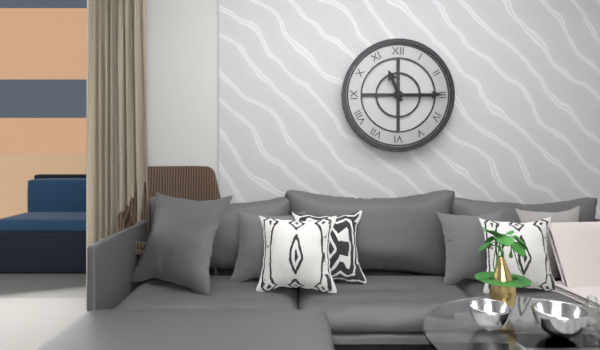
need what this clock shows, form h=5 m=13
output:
h=11 m=15
